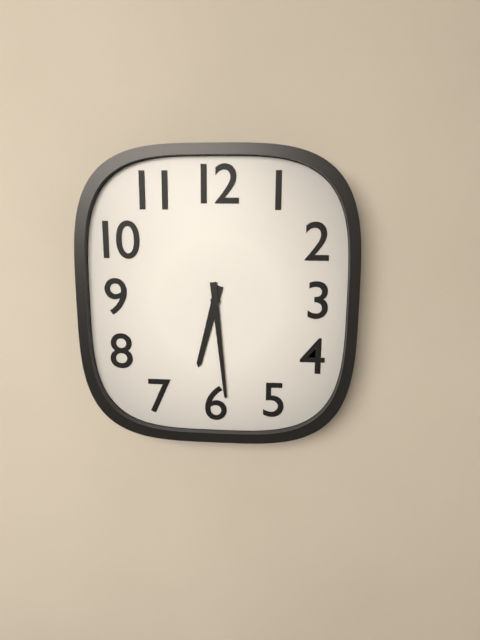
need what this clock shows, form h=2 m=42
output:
h=6 m=29
